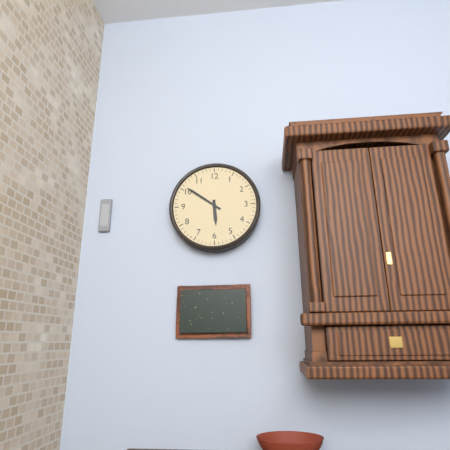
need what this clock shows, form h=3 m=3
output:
h=5 m=51
